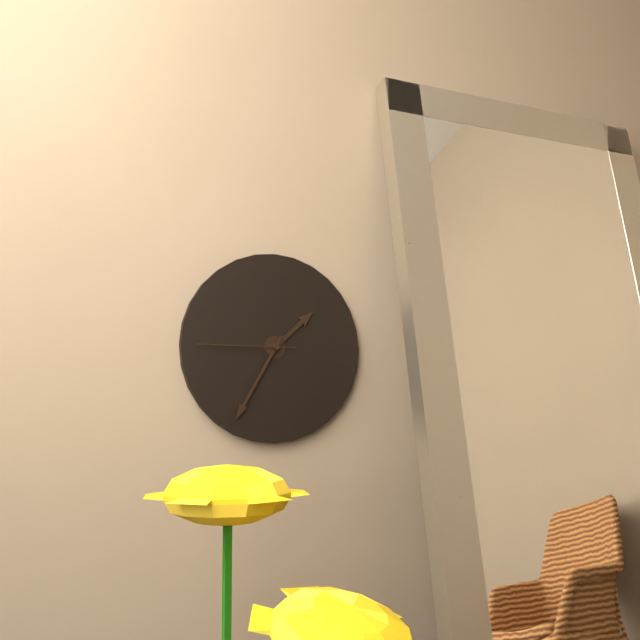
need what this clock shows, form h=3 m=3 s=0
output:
h=1 m=35 s=45
